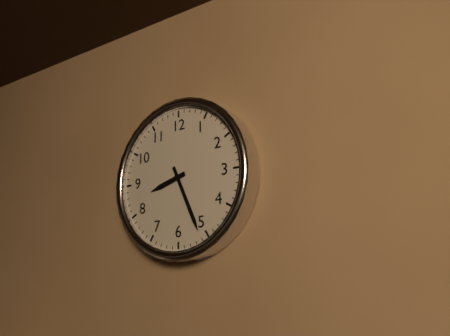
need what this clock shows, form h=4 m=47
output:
h=8 m=26
